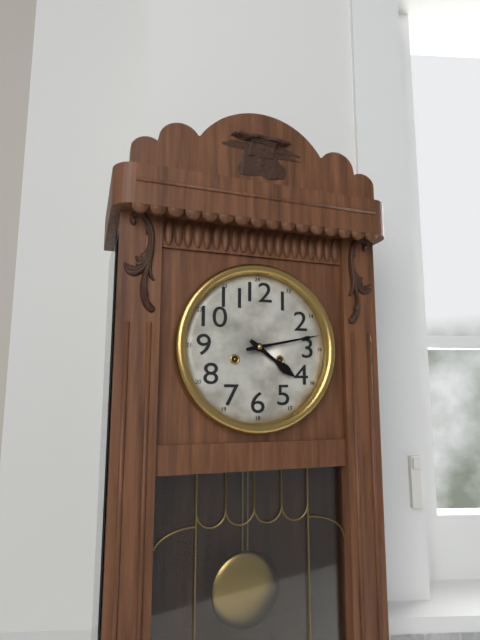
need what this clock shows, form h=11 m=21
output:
h=4 m=13
